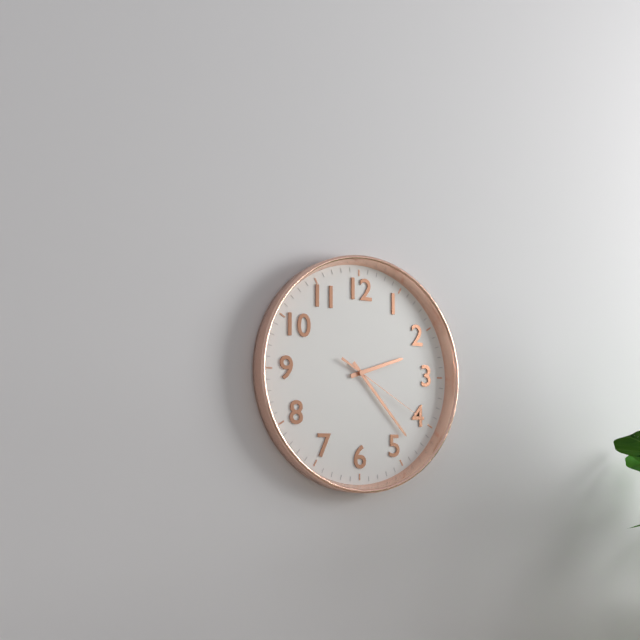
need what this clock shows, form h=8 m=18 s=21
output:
h=2 m=23 s=20
